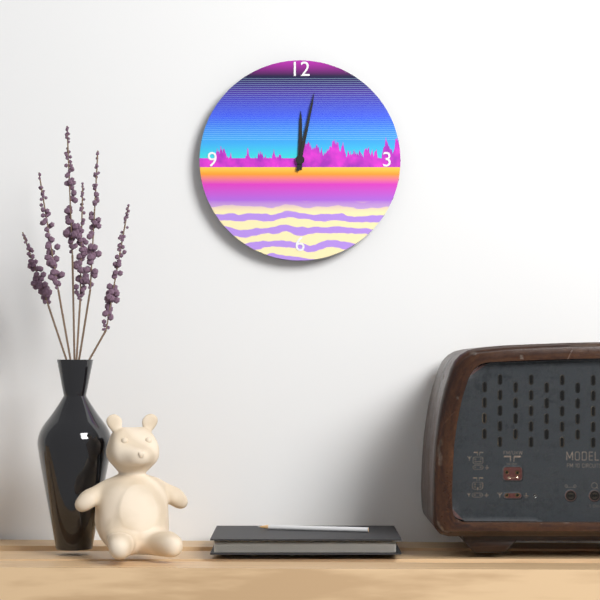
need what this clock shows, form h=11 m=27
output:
h=12 m=2
